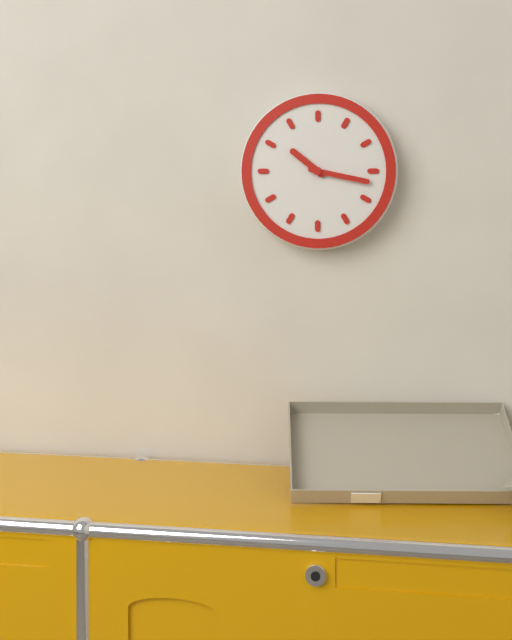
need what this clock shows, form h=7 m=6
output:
h=10 m=17
